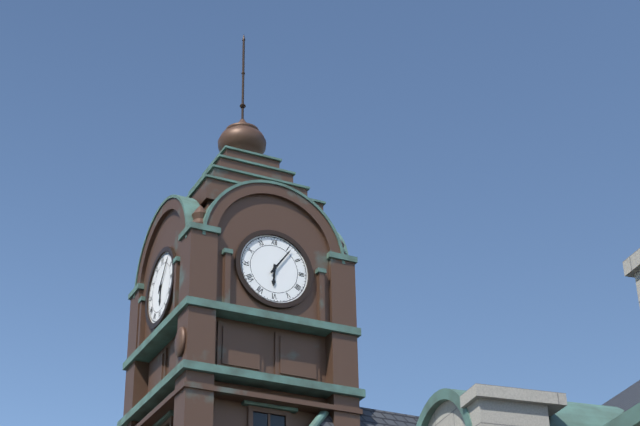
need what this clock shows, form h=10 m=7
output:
h=6 m=6
